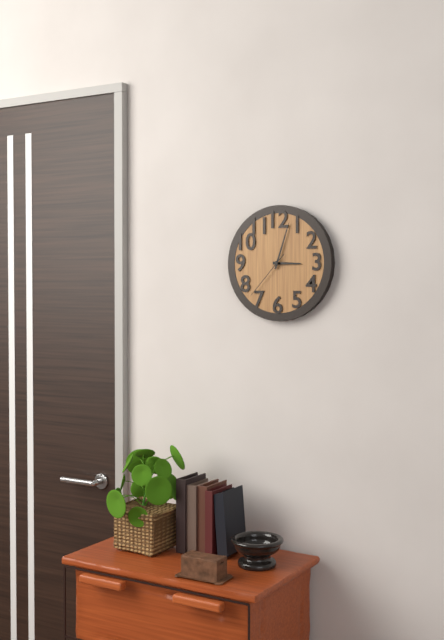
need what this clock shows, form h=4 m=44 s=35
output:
h=3 m=3 s=37
